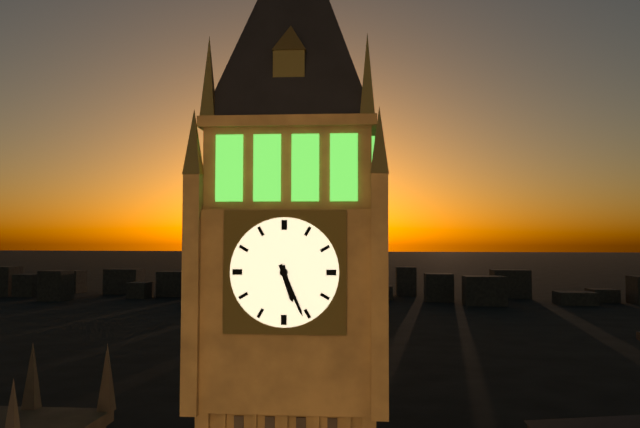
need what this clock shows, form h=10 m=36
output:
h=5 m=26
